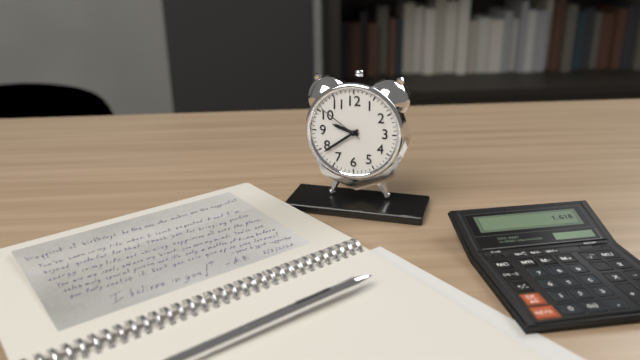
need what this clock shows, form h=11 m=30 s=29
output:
h=9 m=39 s=51
